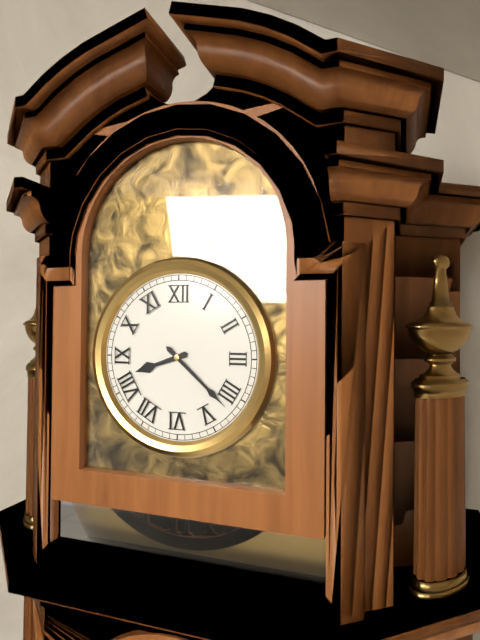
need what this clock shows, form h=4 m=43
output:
h=8 m=22
